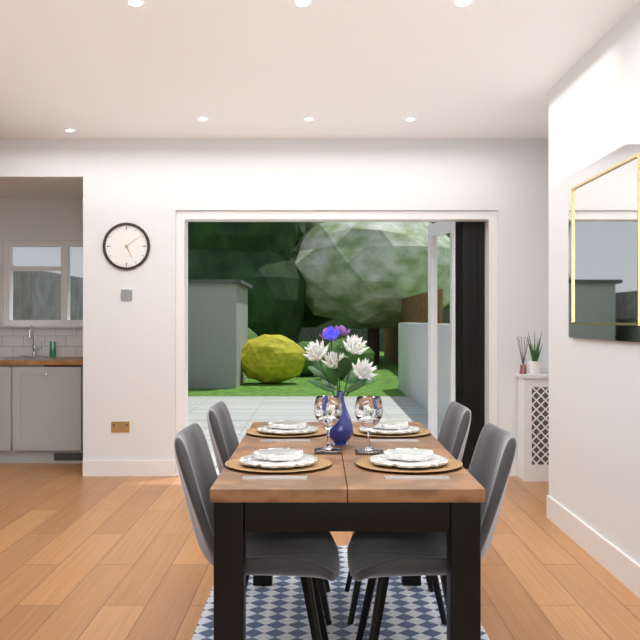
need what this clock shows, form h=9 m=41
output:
h=5 m=9
